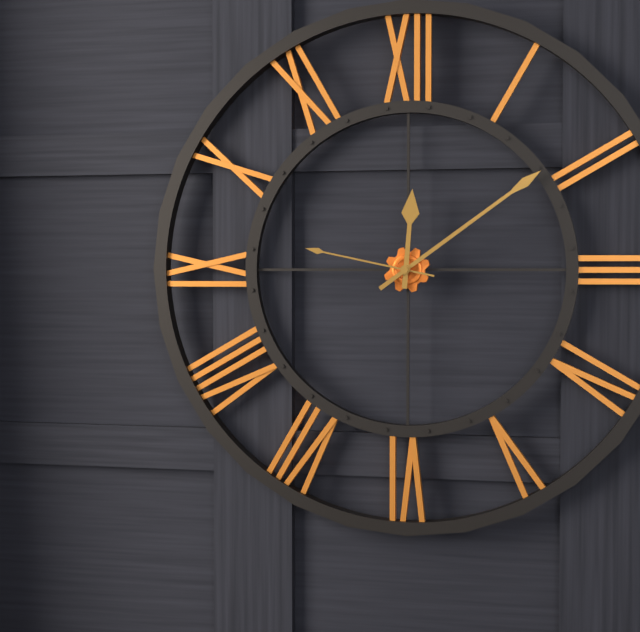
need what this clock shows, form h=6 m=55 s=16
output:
h=12 m=9 s=47
